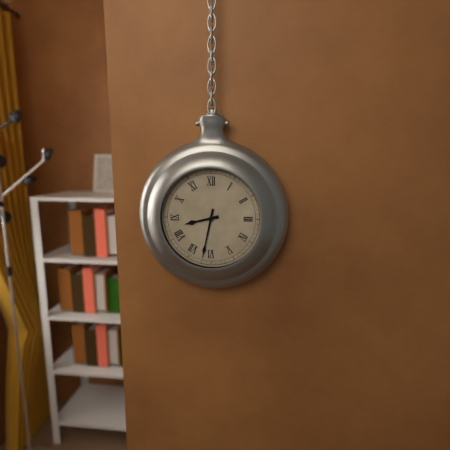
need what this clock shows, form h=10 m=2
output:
h=8 m=32
